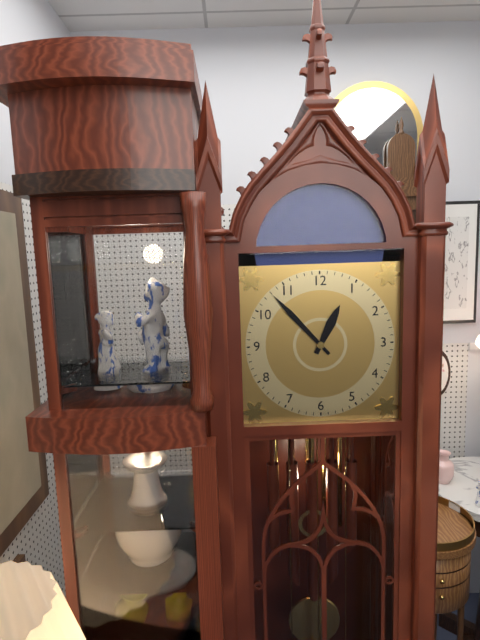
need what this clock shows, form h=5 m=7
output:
h=12 m=53
